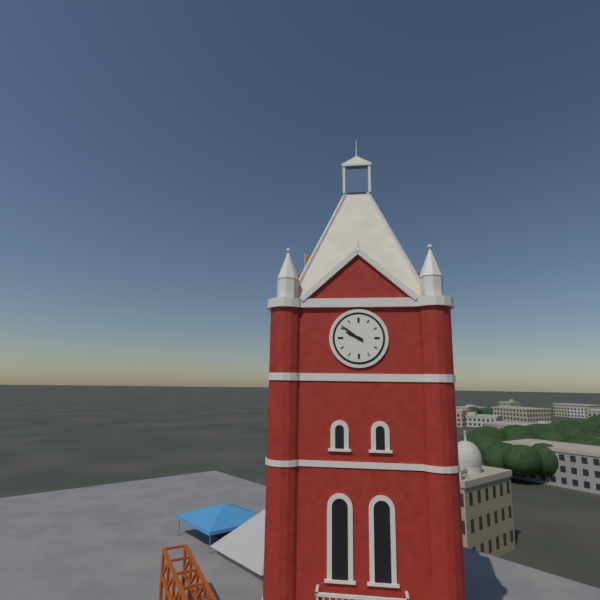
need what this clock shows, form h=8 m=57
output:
h=9 m=51
